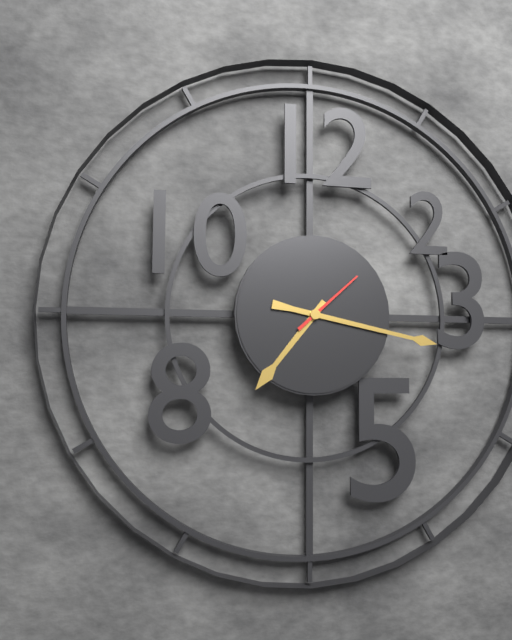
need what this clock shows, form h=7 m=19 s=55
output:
h=7 m=17 s=8
